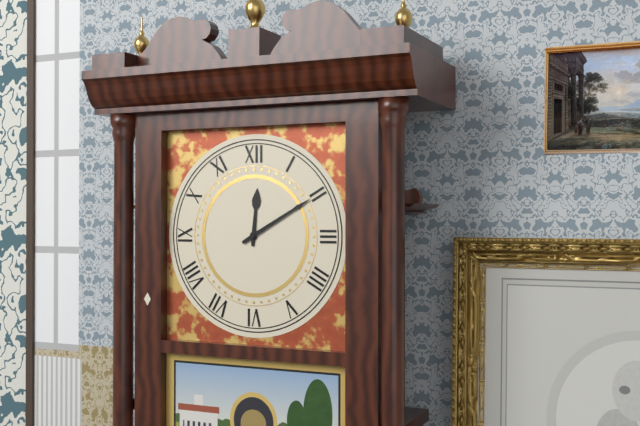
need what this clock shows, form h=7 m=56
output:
h=12 m=10
